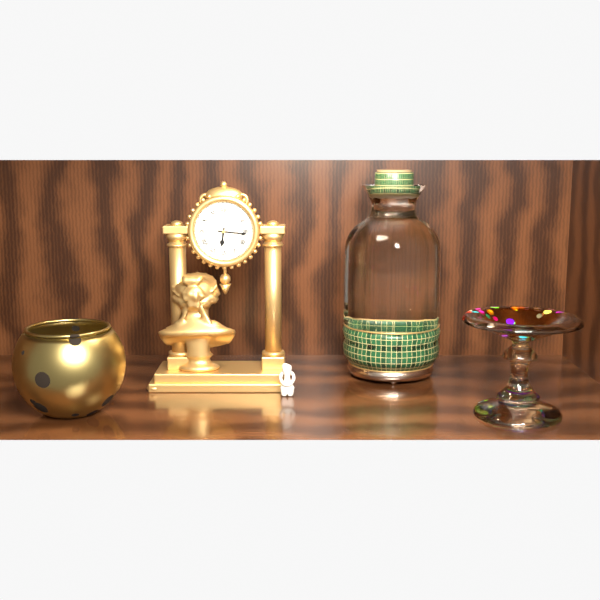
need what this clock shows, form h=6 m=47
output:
h=6 m=16
